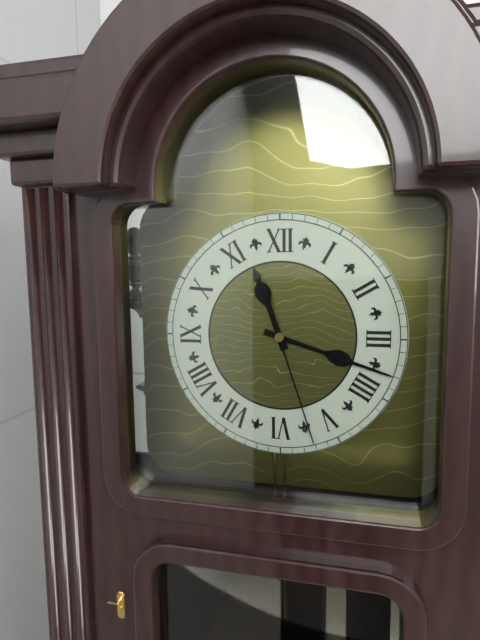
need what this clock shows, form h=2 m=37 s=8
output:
h=11 m=18 s=27
